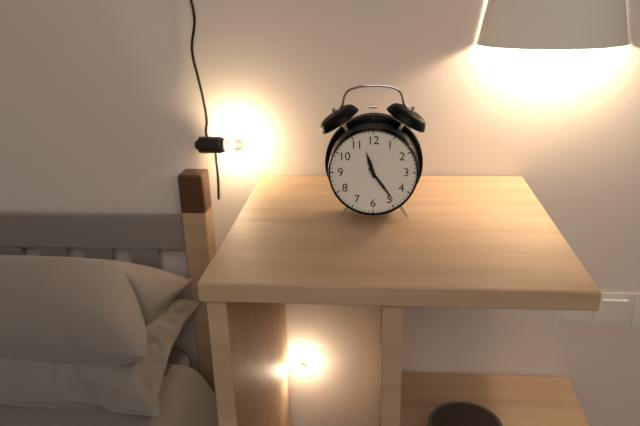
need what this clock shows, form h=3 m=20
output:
h=11 m=24
